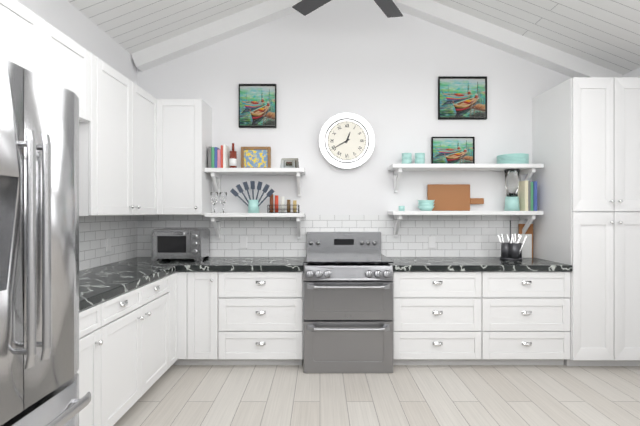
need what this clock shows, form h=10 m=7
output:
h=12 m=40
